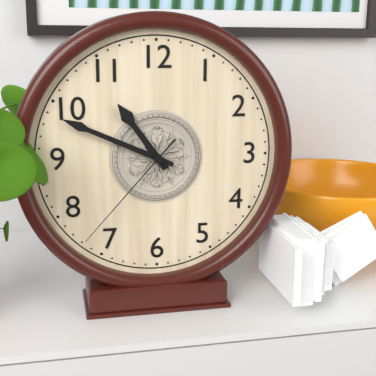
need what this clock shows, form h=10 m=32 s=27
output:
h=10 m=49 s=37
